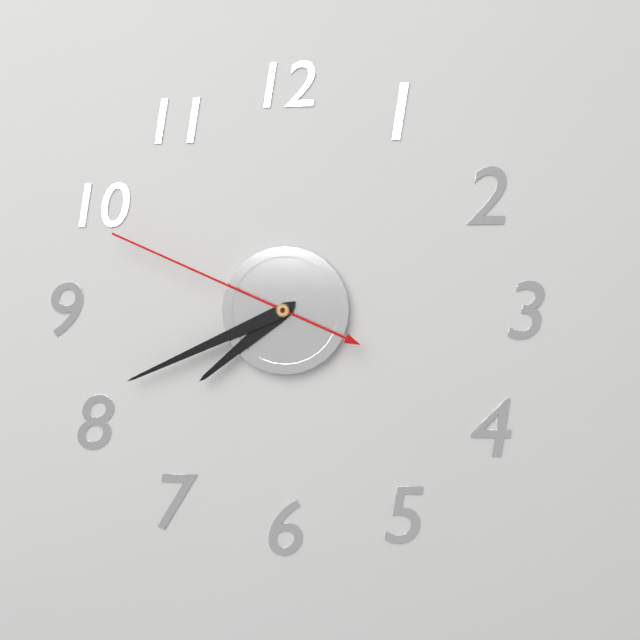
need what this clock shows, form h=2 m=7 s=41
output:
h=7 m=41 s=49
